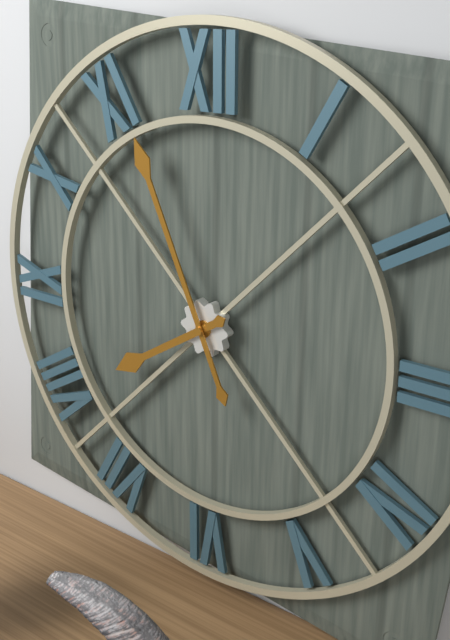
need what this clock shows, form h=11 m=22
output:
h=7 m=56
